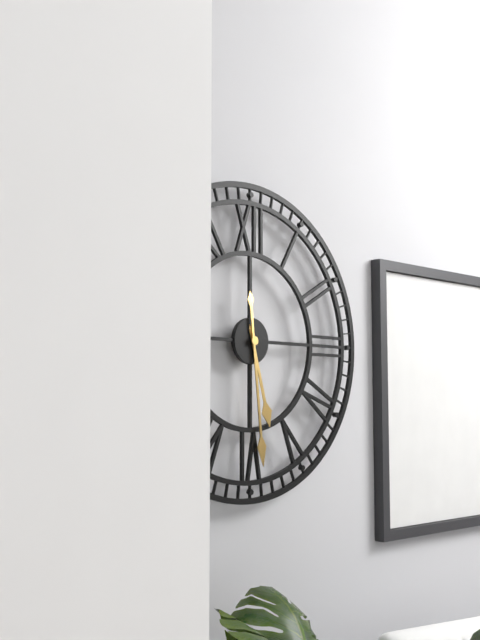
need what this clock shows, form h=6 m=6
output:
h=5 m=29
